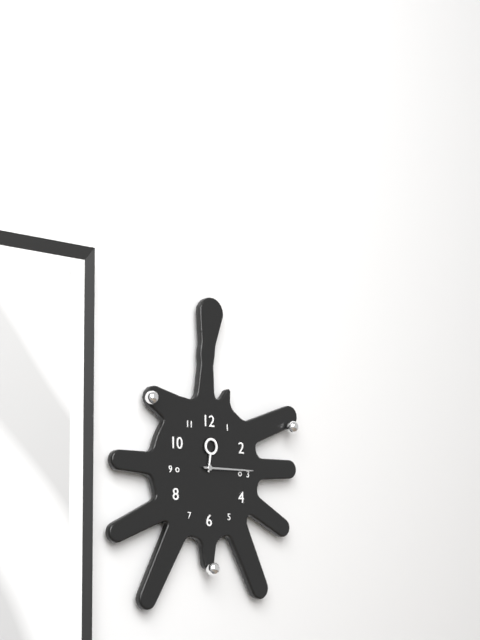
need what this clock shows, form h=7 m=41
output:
h=12 m=15
